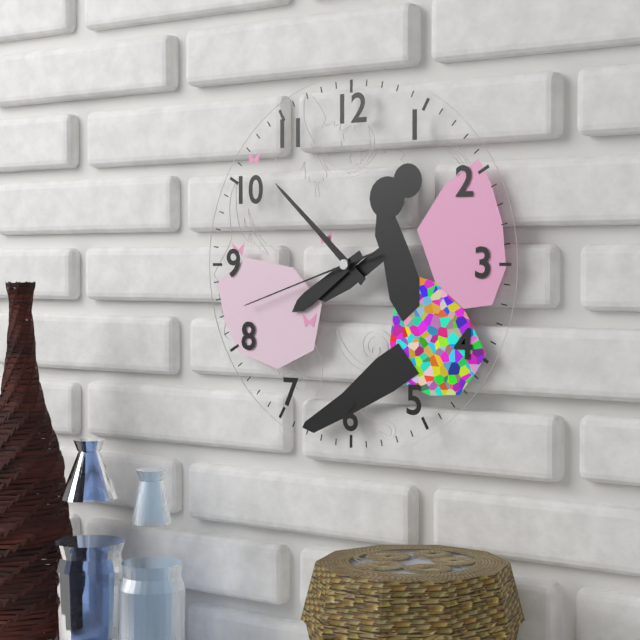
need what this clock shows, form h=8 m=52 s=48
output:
h=7 m=52 s=42
